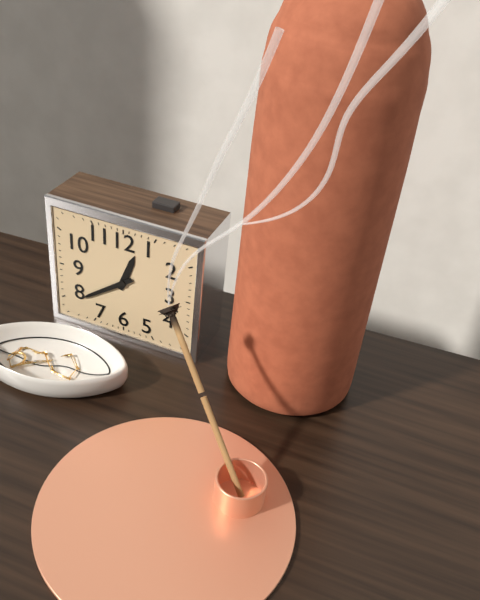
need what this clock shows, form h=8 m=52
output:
h=12 m=39
